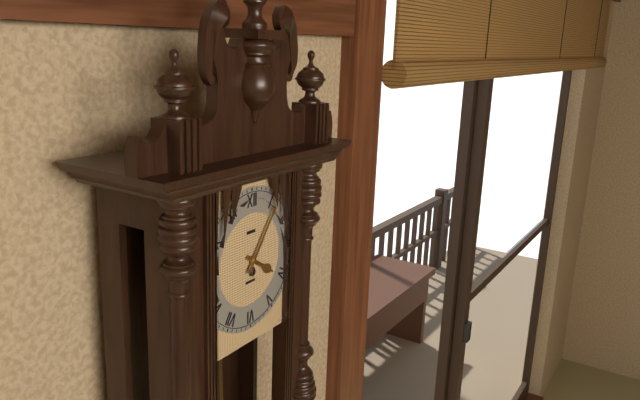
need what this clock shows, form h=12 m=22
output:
h=4 m=6
